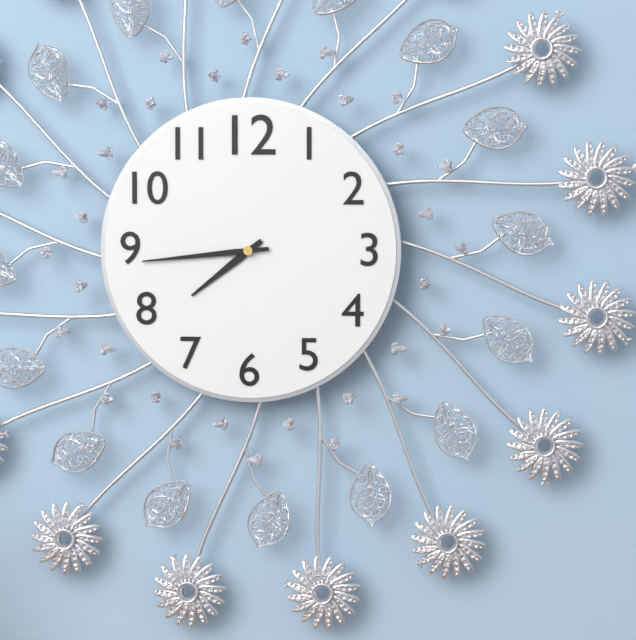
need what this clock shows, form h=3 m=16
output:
h=7 m=44
